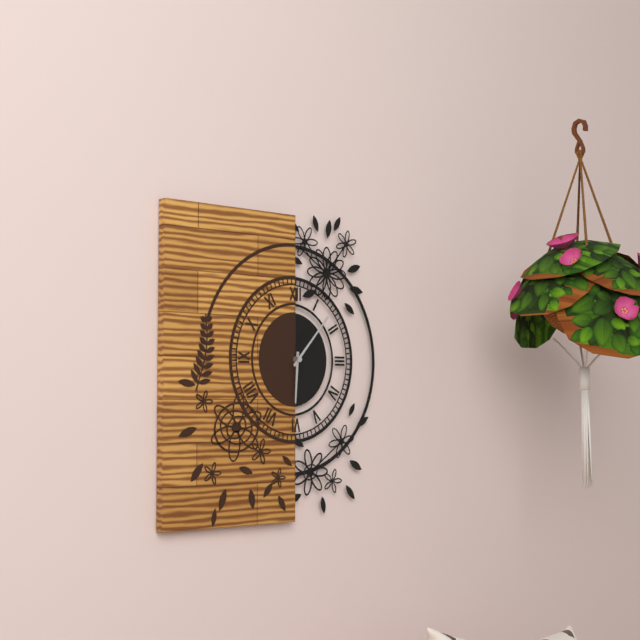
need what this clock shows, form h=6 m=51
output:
h=6 m=7
